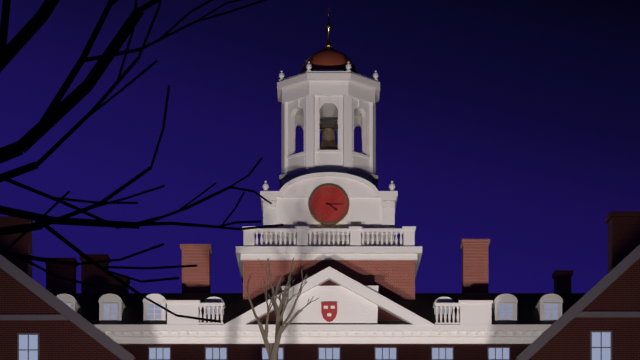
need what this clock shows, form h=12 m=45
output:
h=4 m=15
